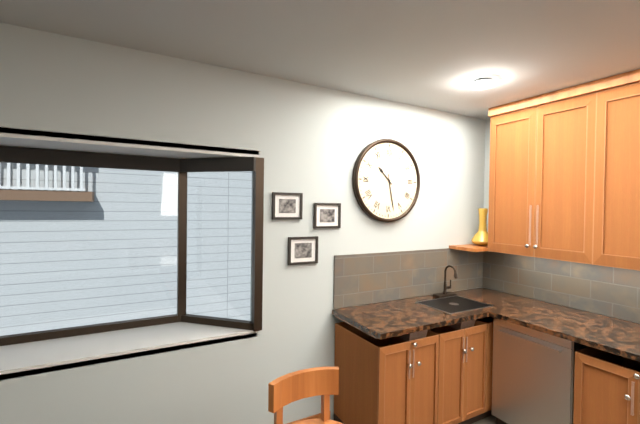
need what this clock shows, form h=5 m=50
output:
h=10 m=28
